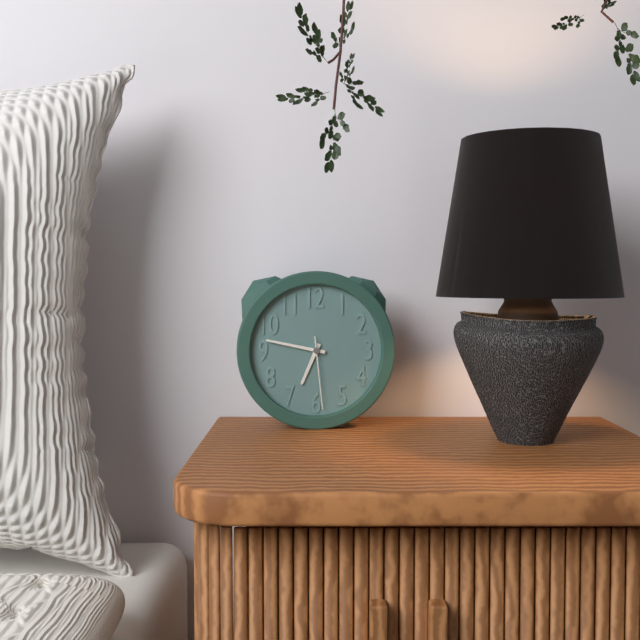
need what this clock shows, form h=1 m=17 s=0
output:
h=6 m=47 s=29
